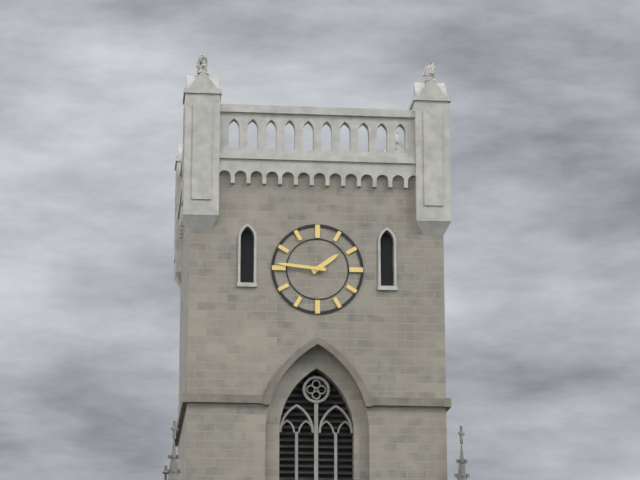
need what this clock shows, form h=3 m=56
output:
h=1 m=46
